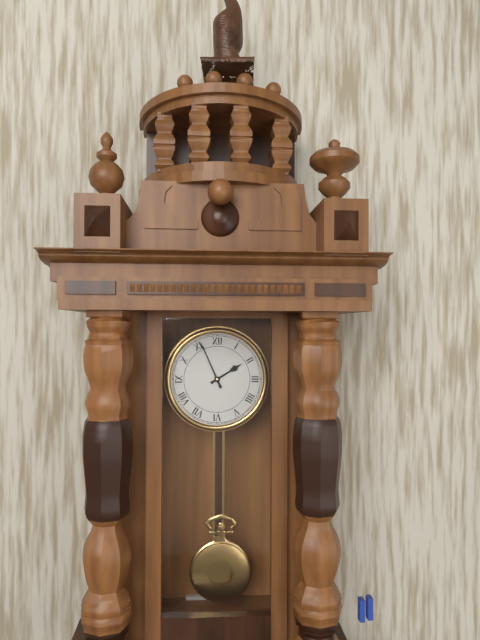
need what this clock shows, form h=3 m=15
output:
h=1 m=56
